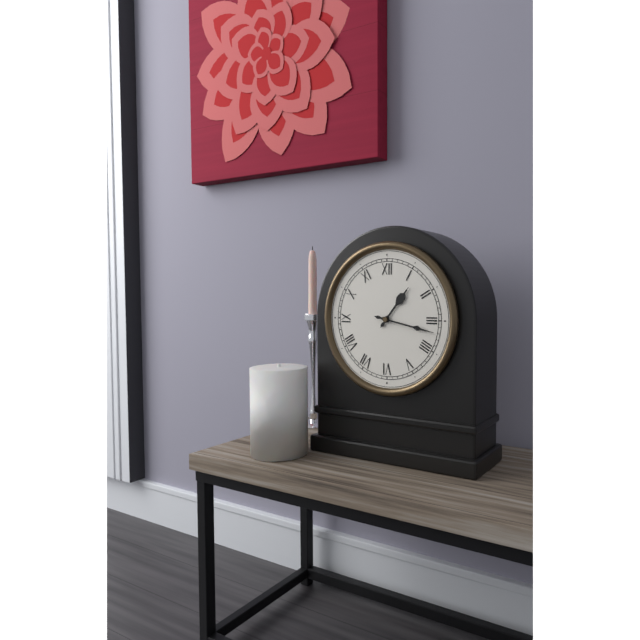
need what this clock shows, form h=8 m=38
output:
h=1 m=17
